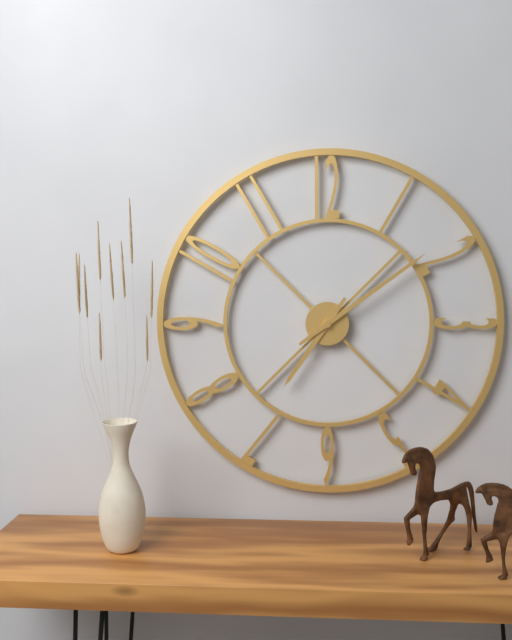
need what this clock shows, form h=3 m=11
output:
h=7 m=9
